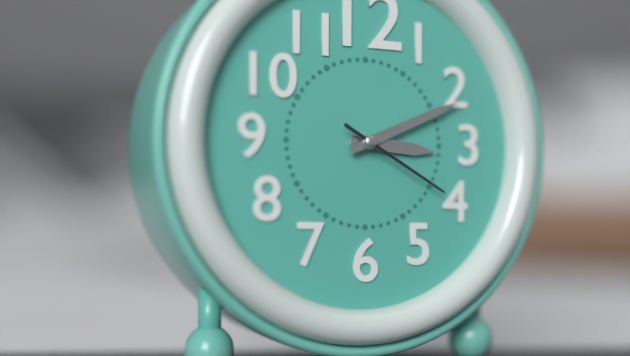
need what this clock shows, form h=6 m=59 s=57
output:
h=3 m=11 s=20
